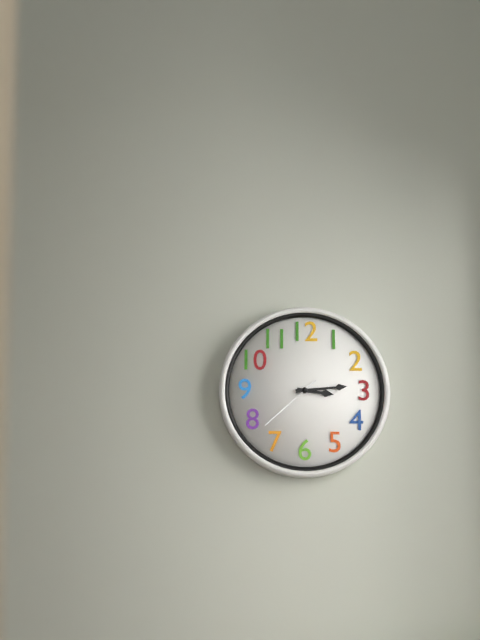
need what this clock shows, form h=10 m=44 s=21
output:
h=3 m=14 s=38
